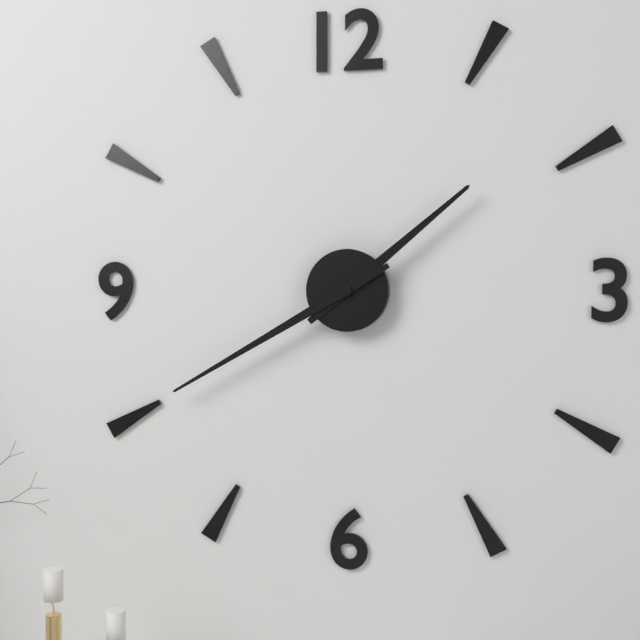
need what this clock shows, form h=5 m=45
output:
h=1 m=40
